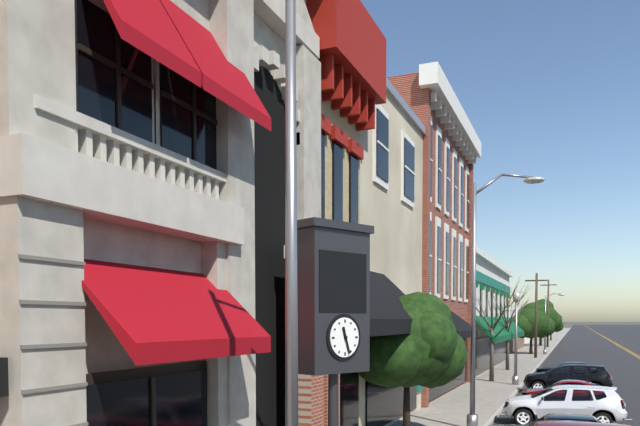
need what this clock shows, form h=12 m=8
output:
h=11 m=27
